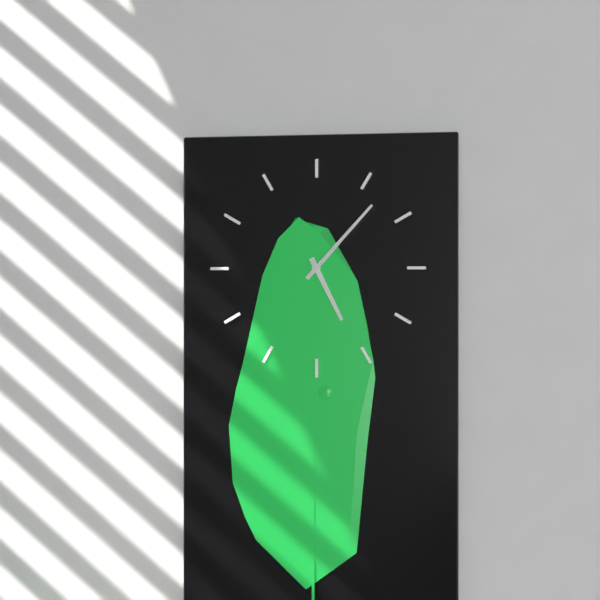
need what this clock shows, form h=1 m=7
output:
h=5 m=7
